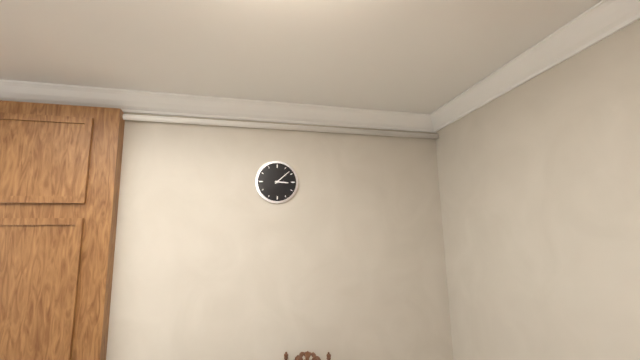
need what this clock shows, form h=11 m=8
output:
h=3 m=8
